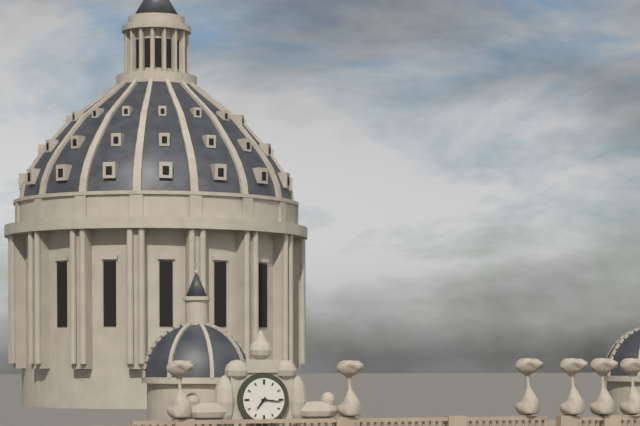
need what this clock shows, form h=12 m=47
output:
h=7 m=16
